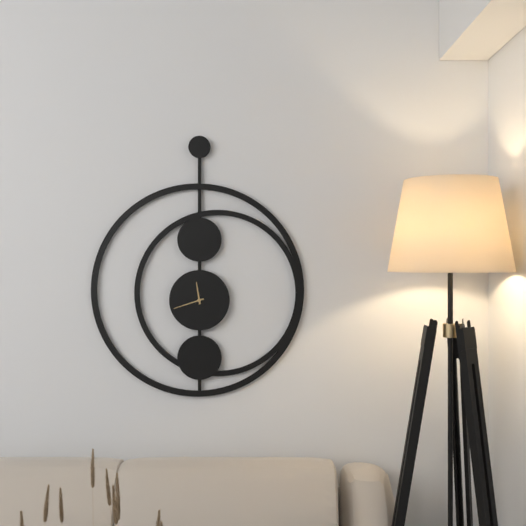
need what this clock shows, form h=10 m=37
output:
h=11 m=42
